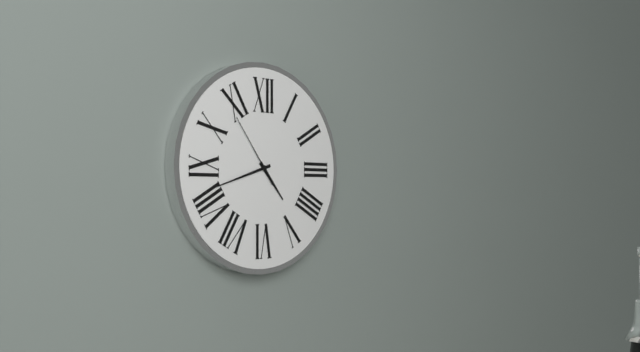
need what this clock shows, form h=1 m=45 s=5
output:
h=4 m=42 s=54
